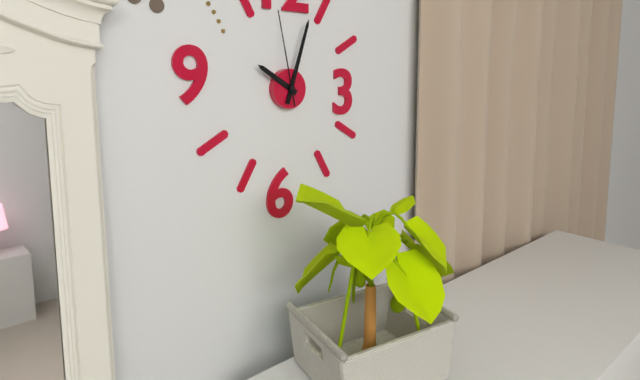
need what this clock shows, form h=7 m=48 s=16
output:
h=10 m=3 s=58
